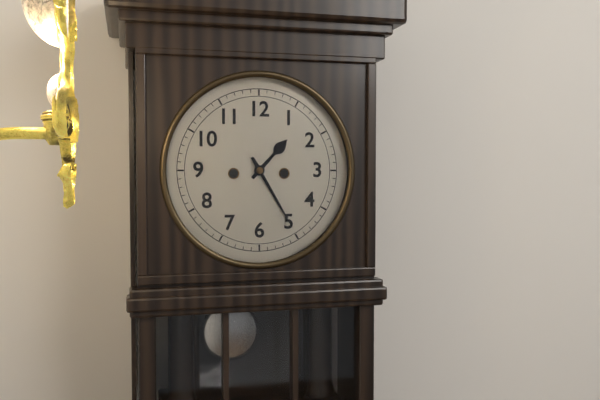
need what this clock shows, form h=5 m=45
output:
h=1 m=25
